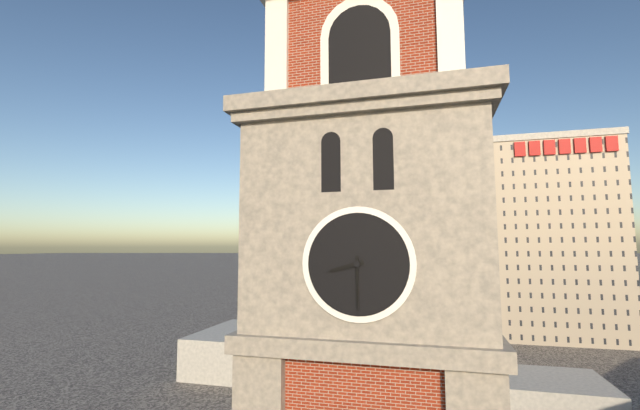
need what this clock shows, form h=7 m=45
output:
h=8 m=30
